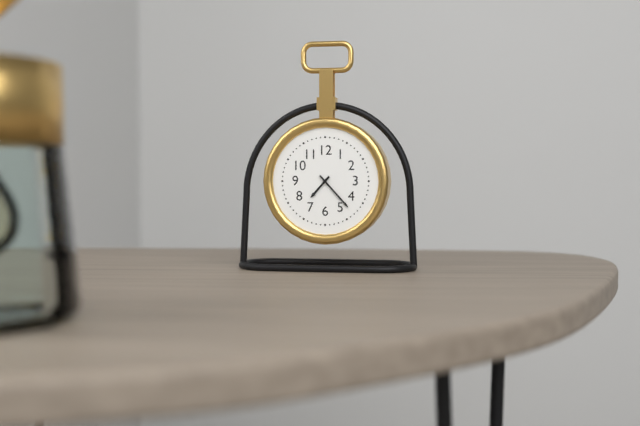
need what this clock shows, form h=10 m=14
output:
h=7 m=23
